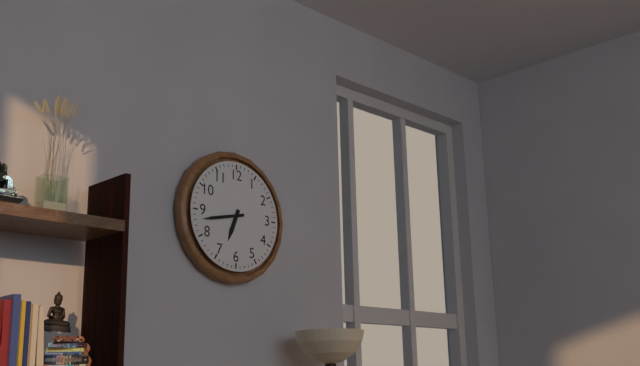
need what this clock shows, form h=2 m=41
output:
h=6 m=43
